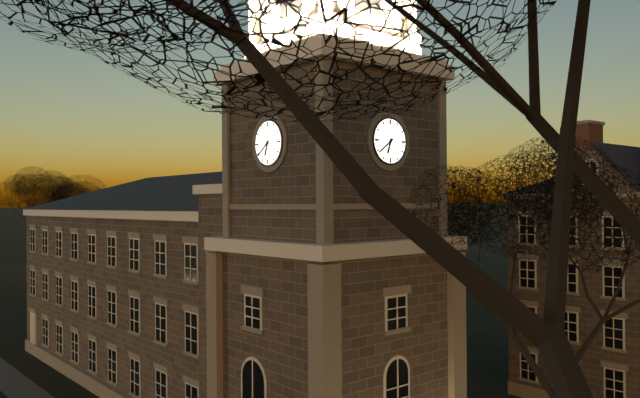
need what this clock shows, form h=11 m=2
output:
h=6 m=39
